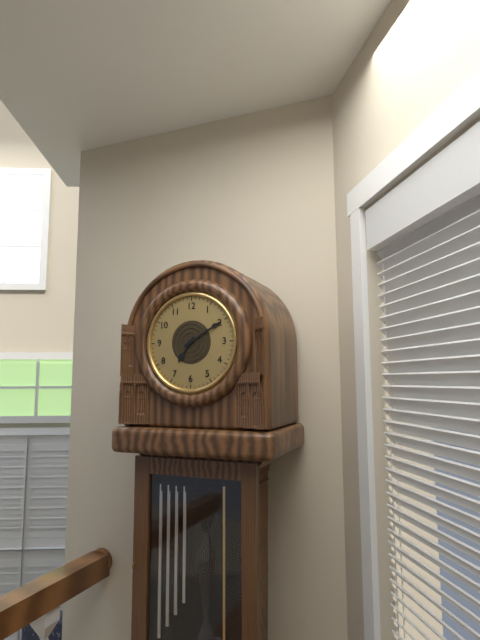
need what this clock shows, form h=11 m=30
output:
h=7 m=10
